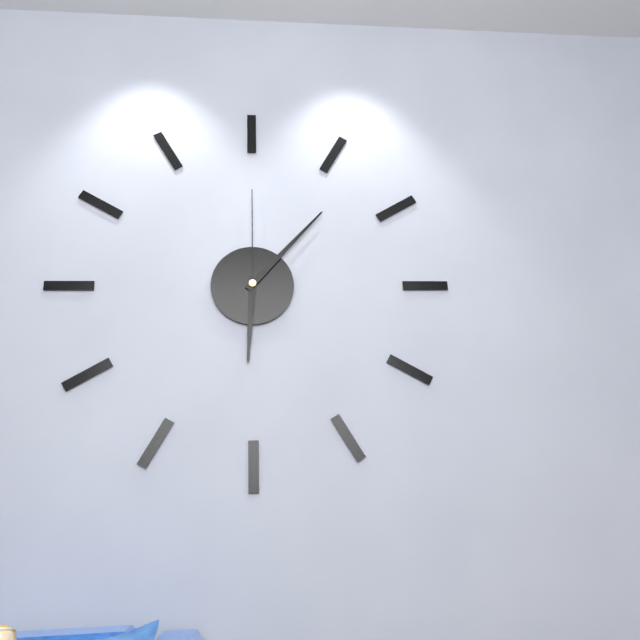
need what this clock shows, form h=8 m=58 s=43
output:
h=6 m=7 s=0
